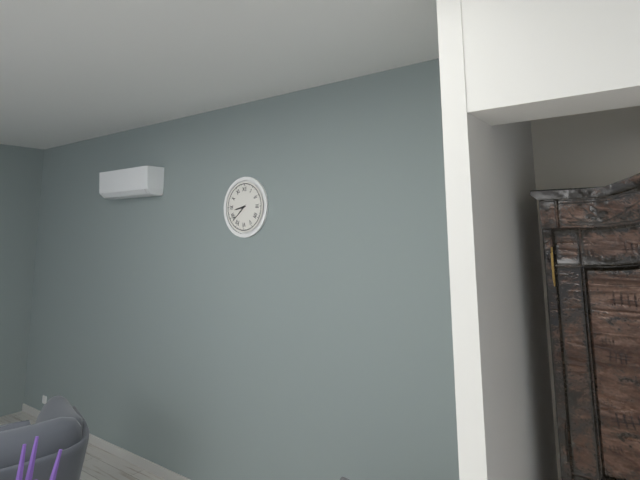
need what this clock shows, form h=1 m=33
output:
h=8 m=38
